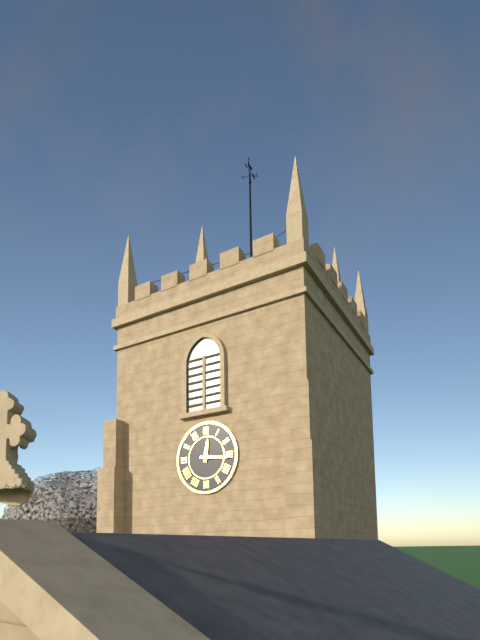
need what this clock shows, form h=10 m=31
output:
h=12 m=16
